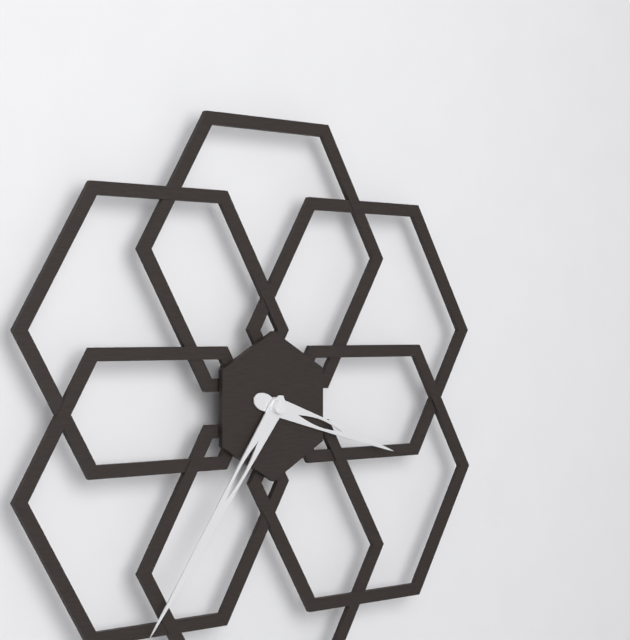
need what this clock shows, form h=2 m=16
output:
h=3 m=36
